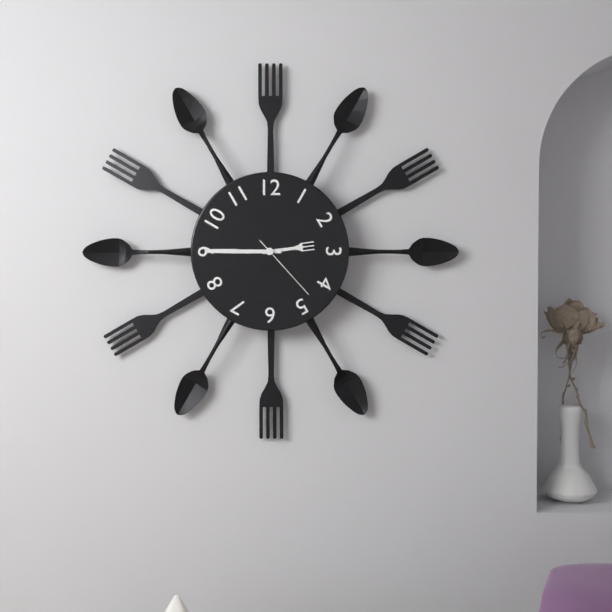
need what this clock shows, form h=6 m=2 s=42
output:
h=2 m=45 s=23
